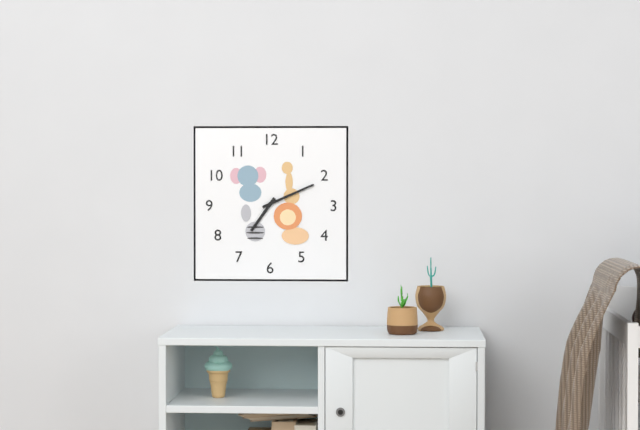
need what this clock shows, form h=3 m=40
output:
h=7 m=11
